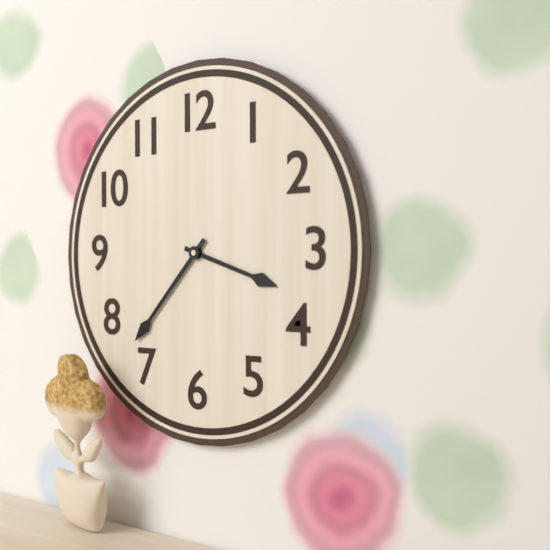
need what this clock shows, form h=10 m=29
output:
h=3 m=37
